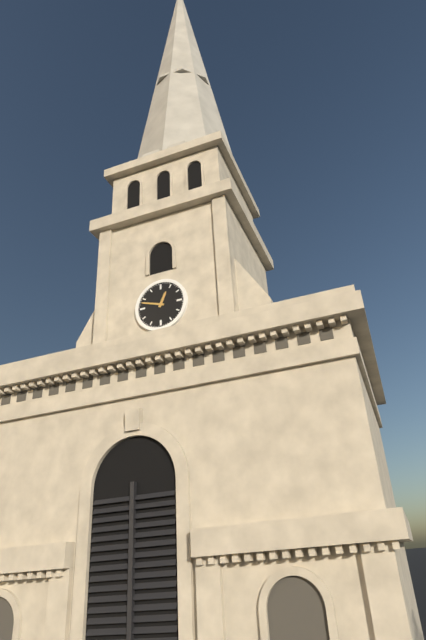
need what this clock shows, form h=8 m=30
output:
h=12 m=48
